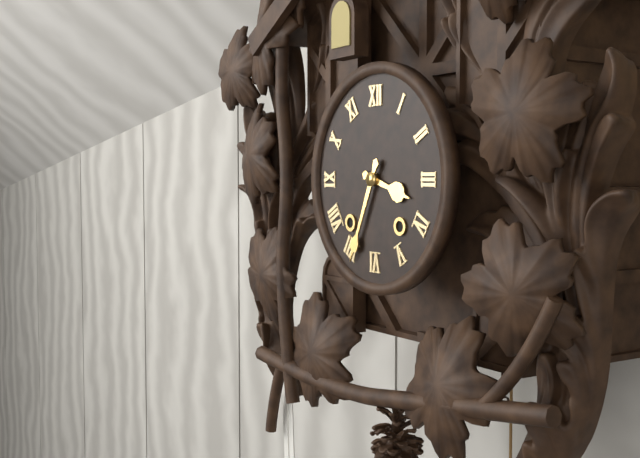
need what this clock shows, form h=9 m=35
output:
h=3 m=34
